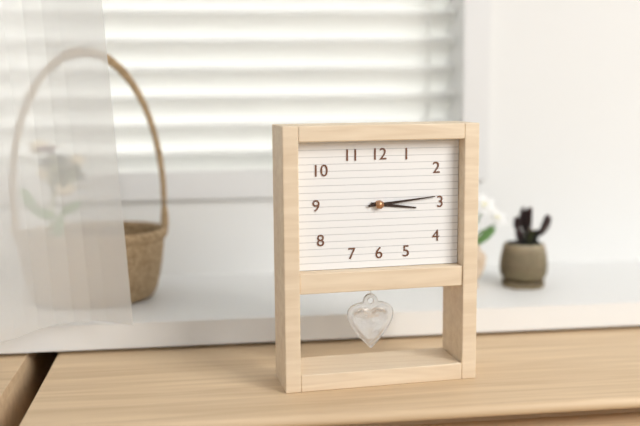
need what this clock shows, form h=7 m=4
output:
h=3 m=14
